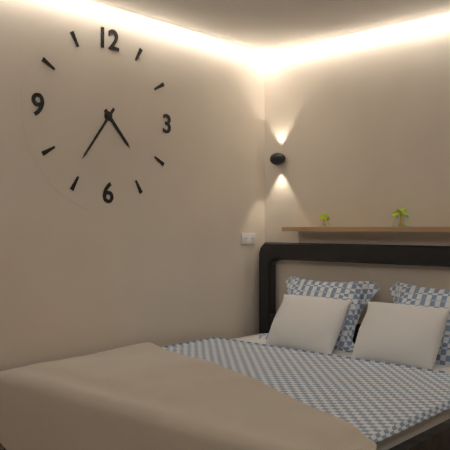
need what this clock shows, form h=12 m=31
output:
h=4 m=36
